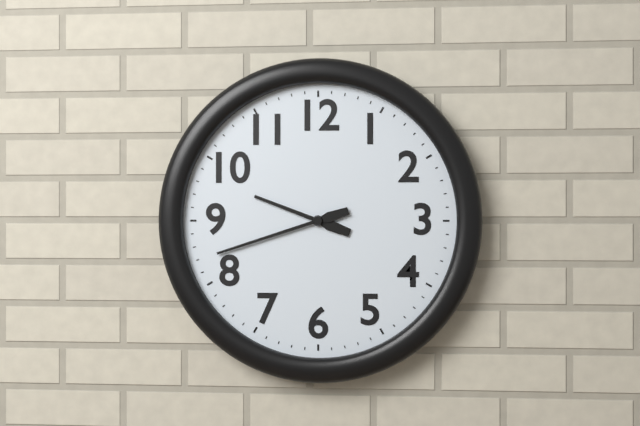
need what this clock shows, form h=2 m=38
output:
h=9 m=42
